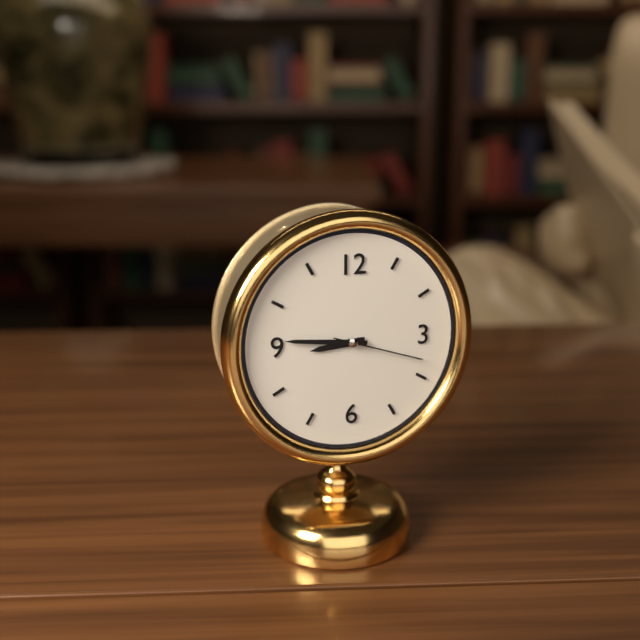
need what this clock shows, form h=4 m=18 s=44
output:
h=8 m=46 s=18
